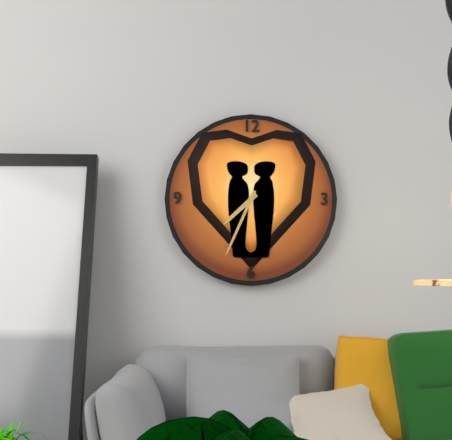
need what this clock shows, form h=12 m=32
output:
h=7 m=34
